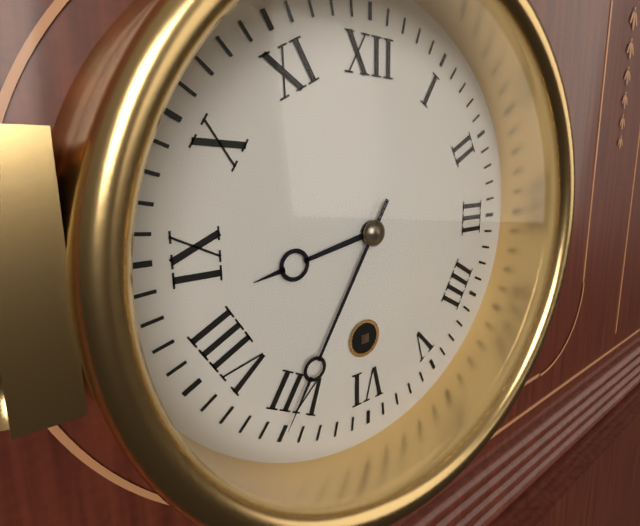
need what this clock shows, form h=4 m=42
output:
h=8 m=35
